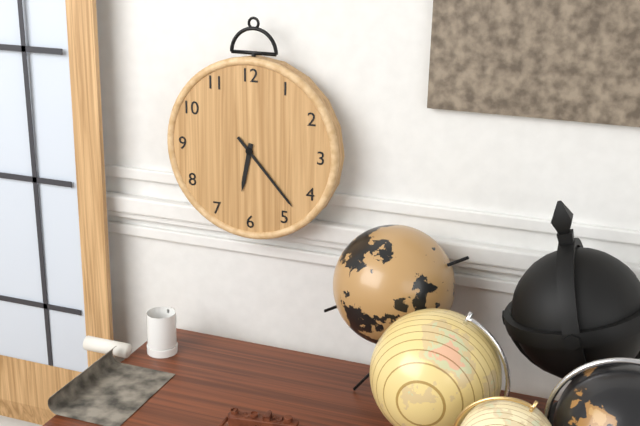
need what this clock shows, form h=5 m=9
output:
h=6 m=23
